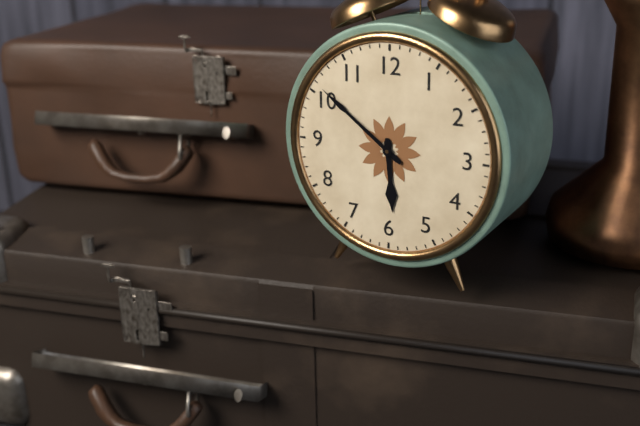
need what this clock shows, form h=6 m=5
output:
h=5 m=51
